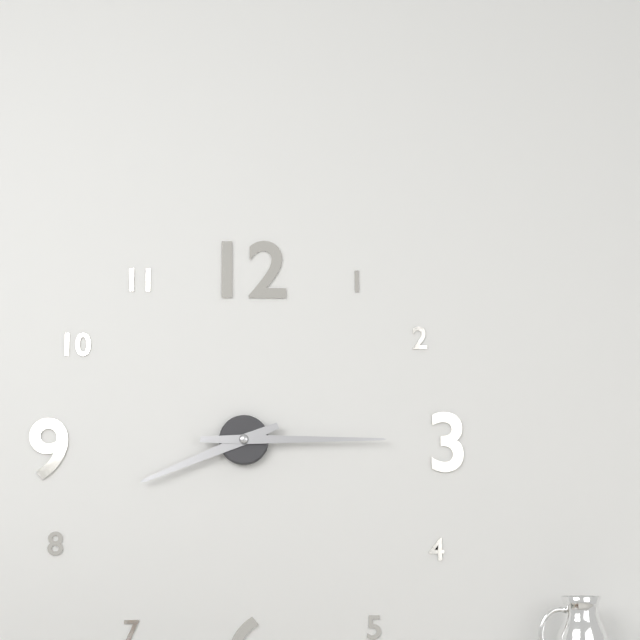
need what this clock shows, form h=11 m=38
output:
h=8 m=15
